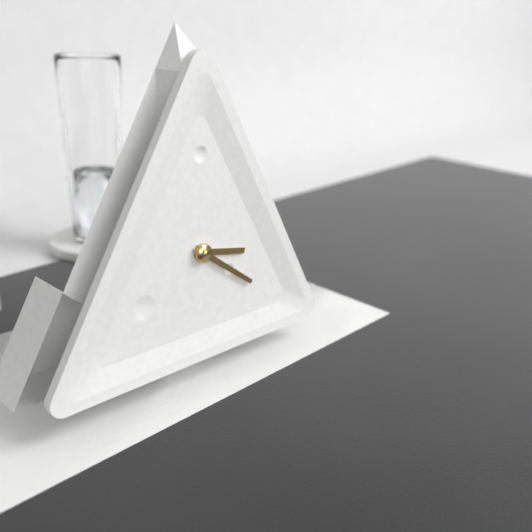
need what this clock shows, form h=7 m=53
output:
h=3 m=21
